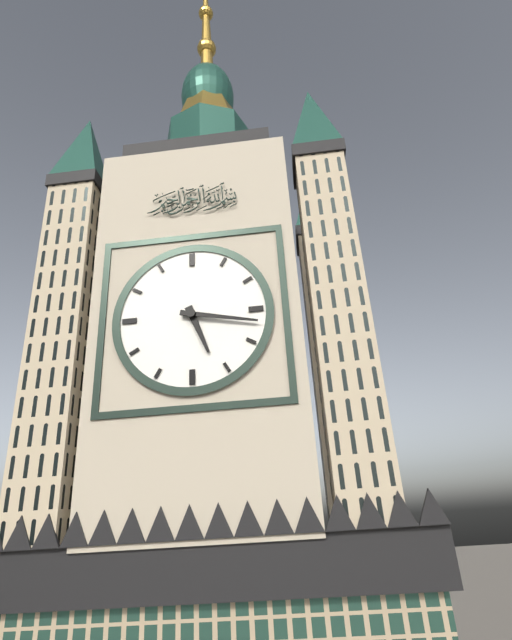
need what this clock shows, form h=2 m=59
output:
h=5 m=17
